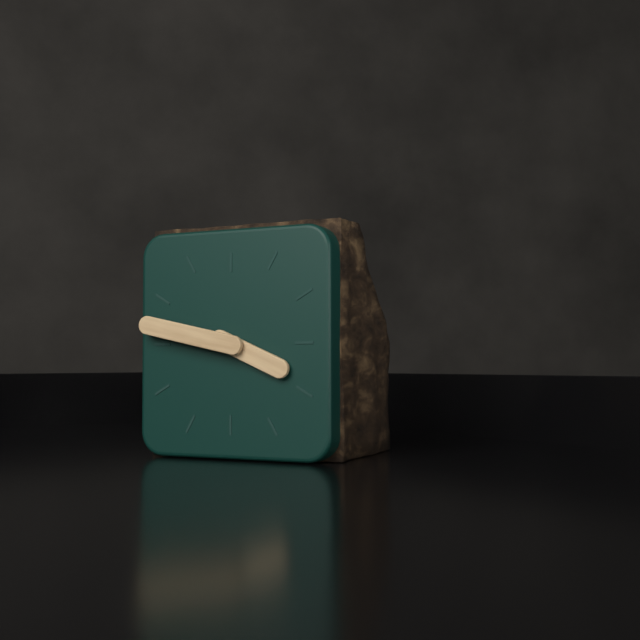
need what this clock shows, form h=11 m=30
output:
h=3 m=47
